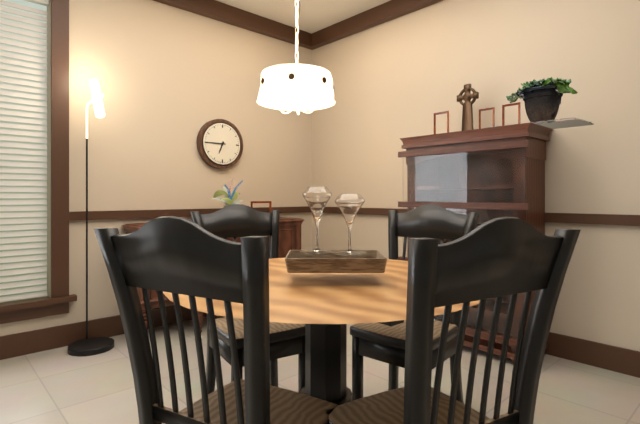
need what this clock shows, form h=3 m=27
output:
h=6 m=45
